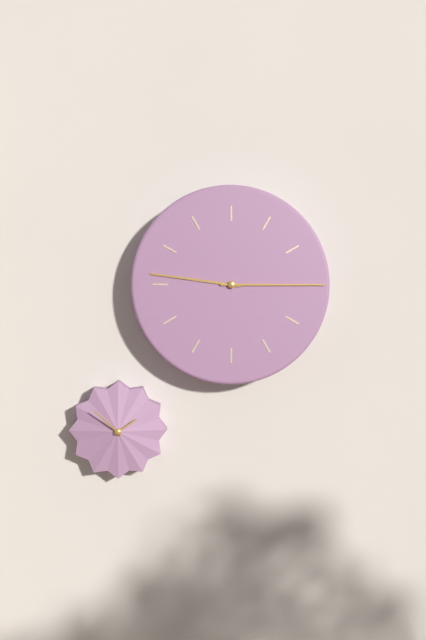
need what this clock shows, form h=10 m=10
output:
h=9 m=15
